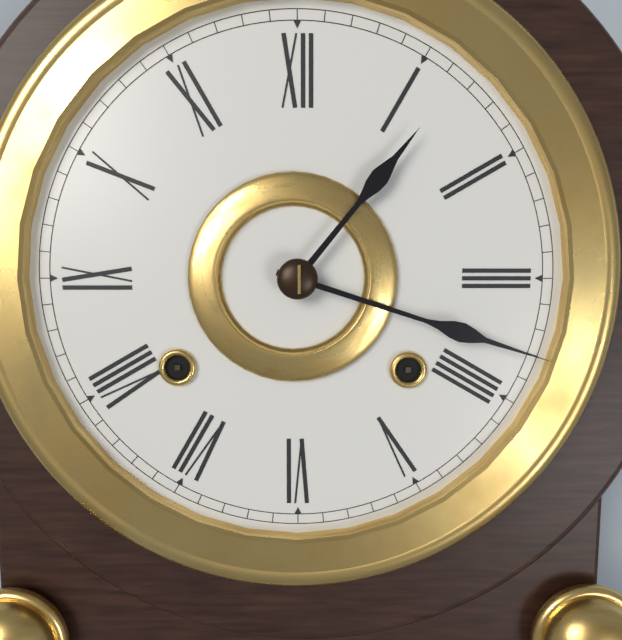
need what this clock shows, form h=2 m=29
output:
h=1 m=18
